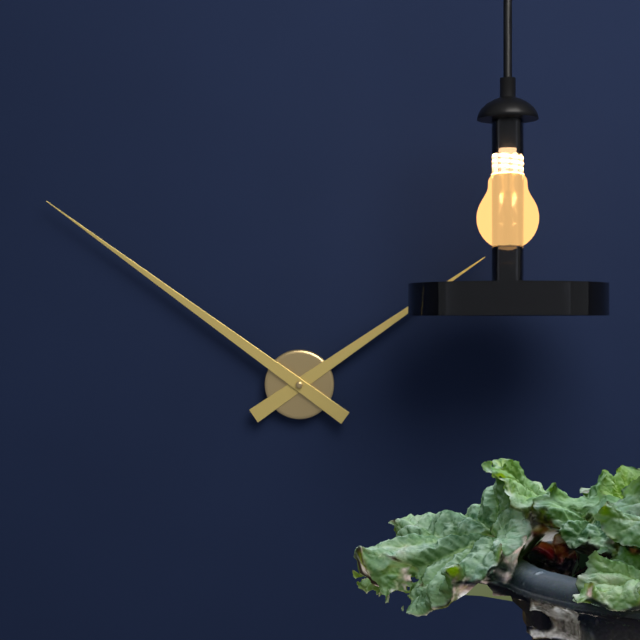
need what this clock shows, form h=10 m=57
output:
h=1 m=51
